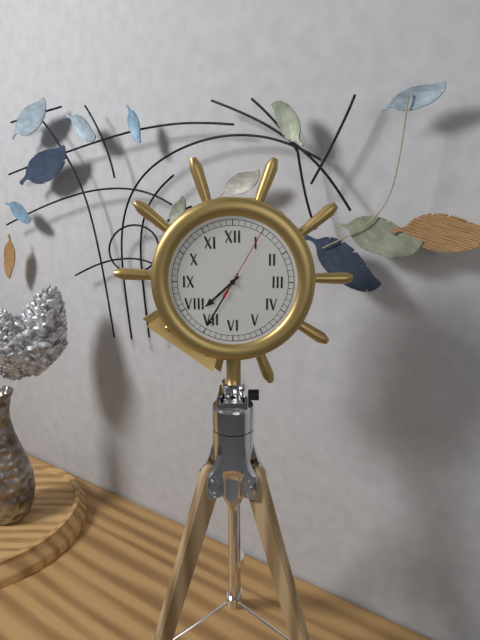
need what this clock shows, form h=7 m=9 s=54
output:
h=7 m=35 s=5
